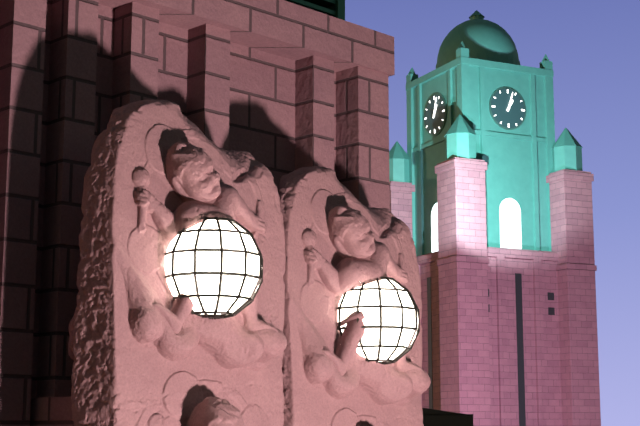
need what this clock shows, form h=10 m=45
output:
h=1 m=3
